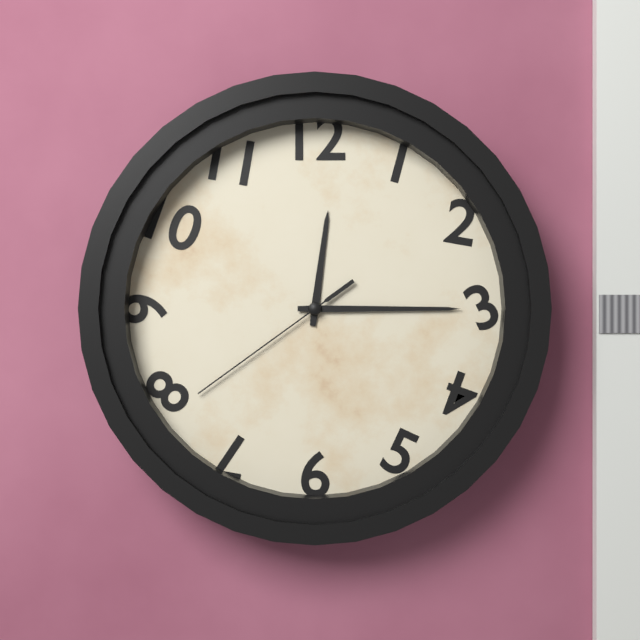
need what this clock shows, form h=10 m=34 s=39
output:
h=12 m=15 s=39
